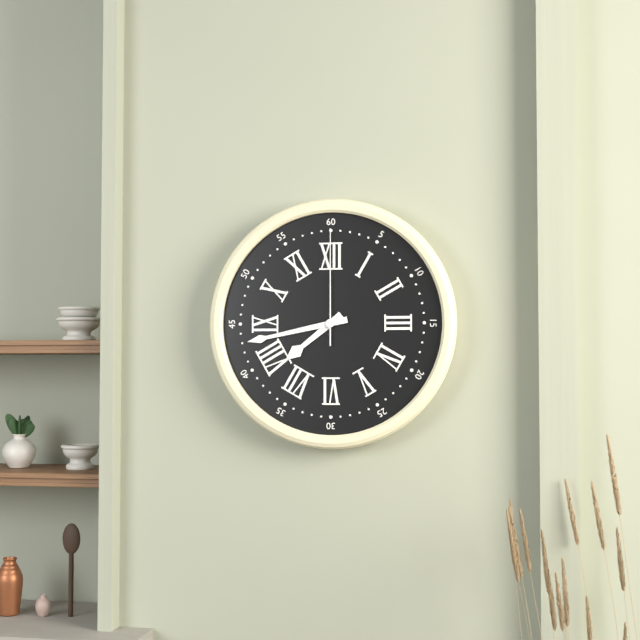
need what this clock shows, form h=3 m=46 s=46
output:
h=7 m=43 s=0
